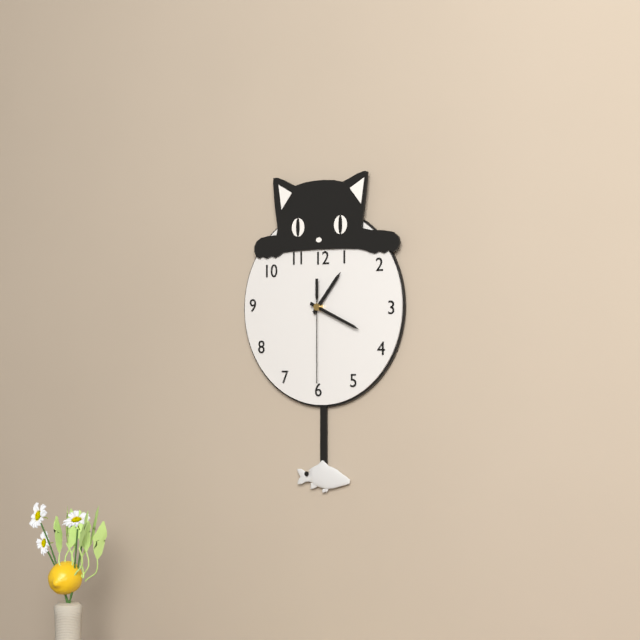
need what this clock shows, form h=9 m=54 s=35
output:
h=1 m=19 s=30
